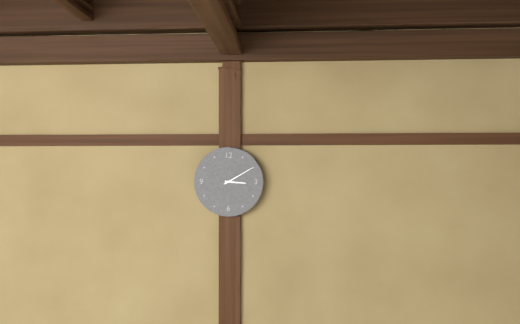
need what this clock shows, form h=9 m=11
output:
h=3 m=10
